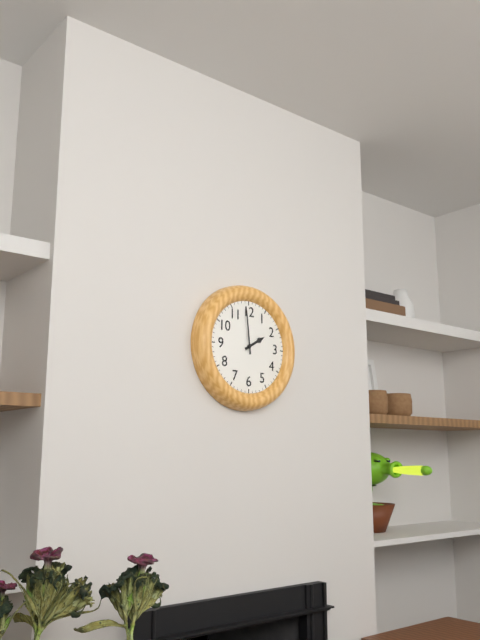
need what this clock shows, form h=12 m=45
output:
h=1 m=59
